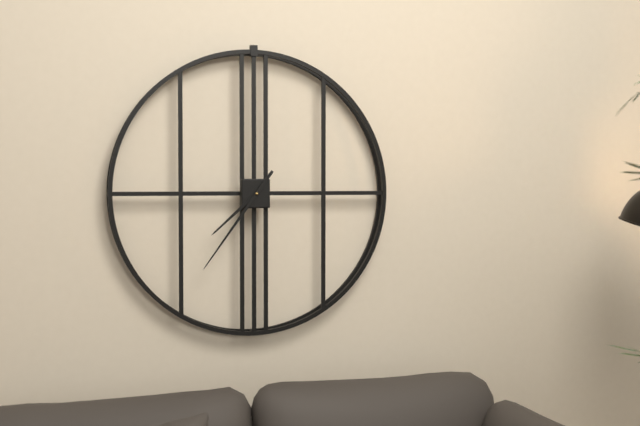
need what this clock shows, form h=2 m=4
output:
h=7 m=36
